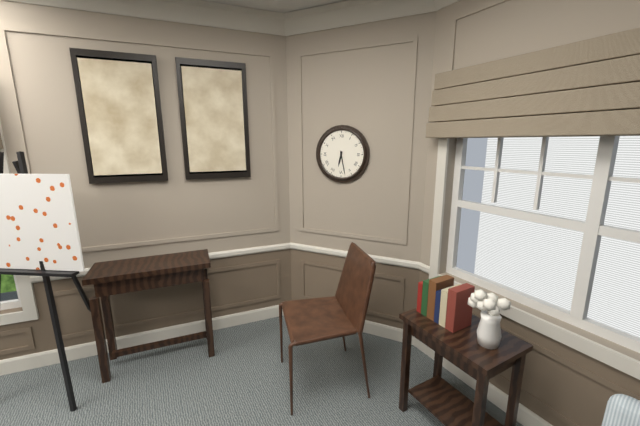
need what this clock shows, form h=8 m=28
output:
h=6 m=28
